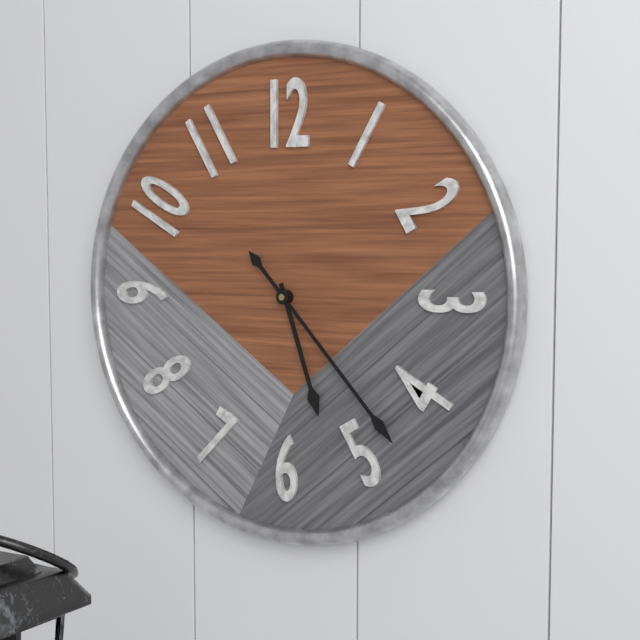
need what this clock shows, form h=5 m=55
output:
h=5 m=23
